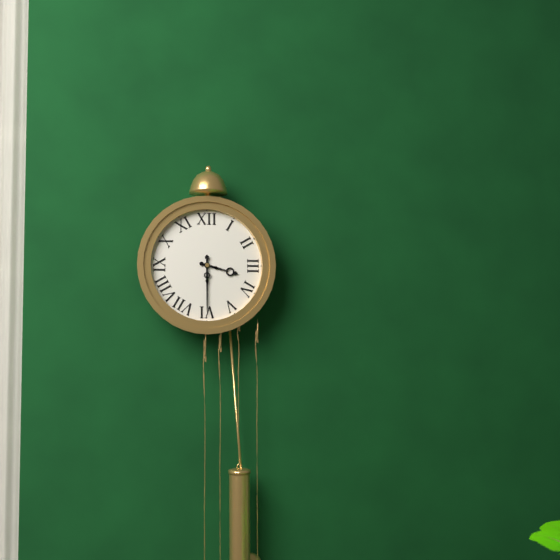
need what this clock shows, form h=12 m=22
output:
h=3 m=30
